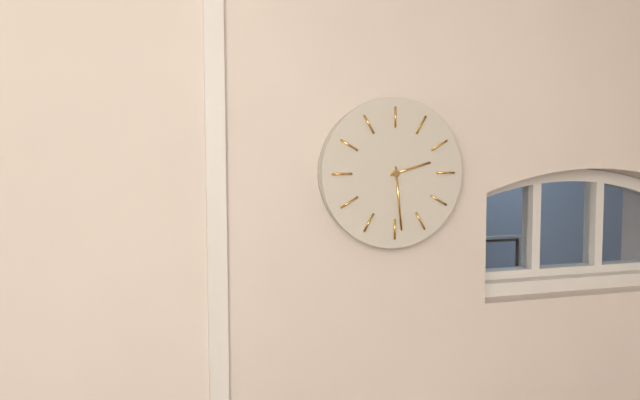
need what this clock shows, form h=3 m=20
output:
h=2 m=29
